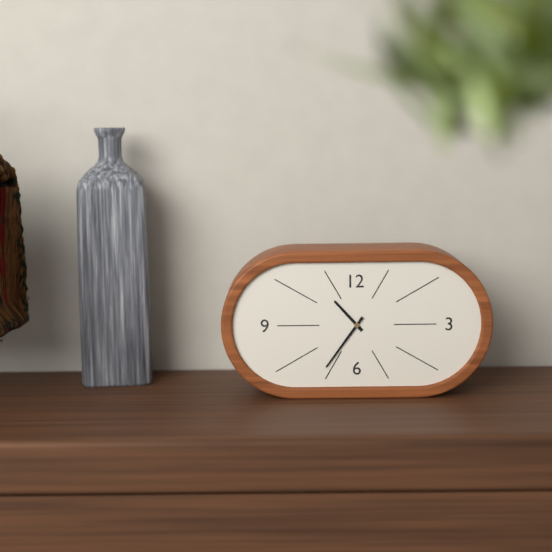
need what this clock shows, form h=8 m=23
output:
h=10 m=36
